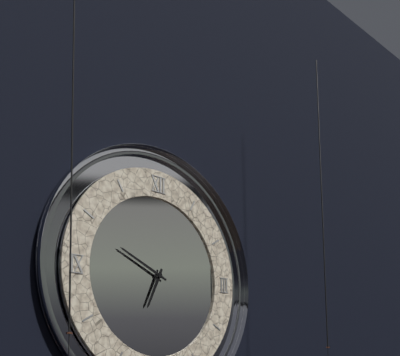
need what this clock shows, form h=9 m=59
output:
h=6 m=49
